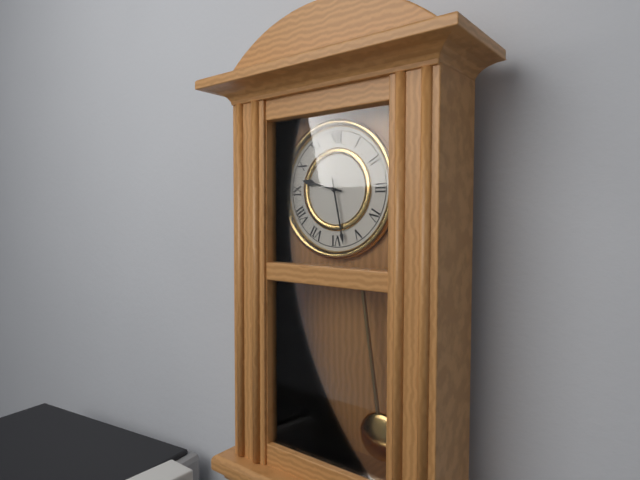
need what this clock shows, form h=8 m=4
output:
h=9 m=28
